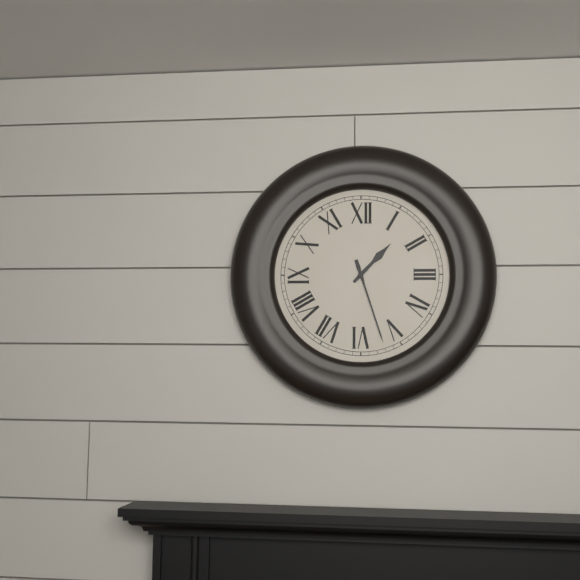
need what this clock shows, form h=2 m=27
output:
h=1 m=27
